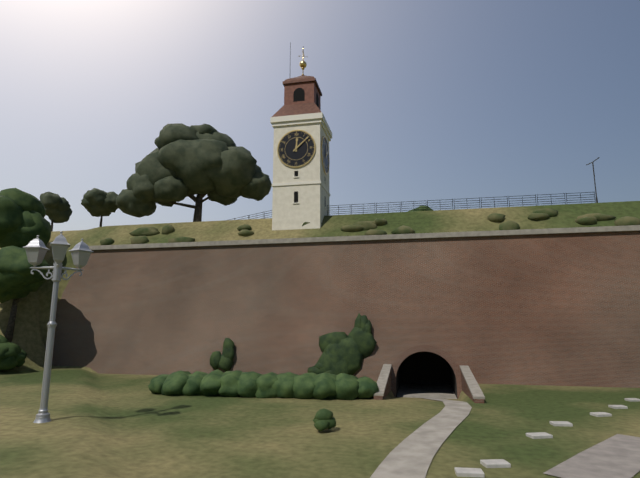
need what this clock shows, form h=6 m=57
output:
h=12 m=8
